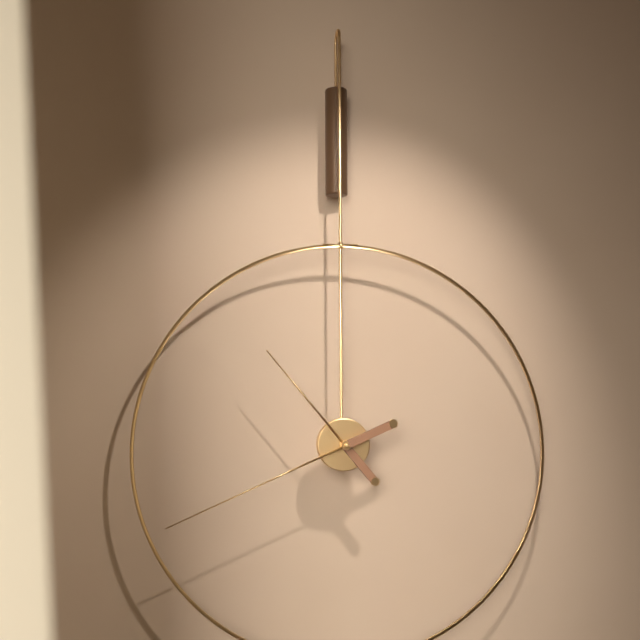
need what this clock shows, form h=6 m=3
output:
h=10 m=41
